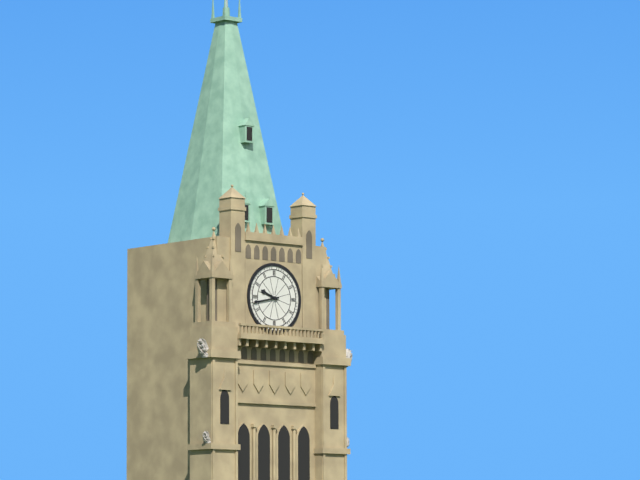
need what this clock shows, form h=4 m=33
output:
h=9 m=43
